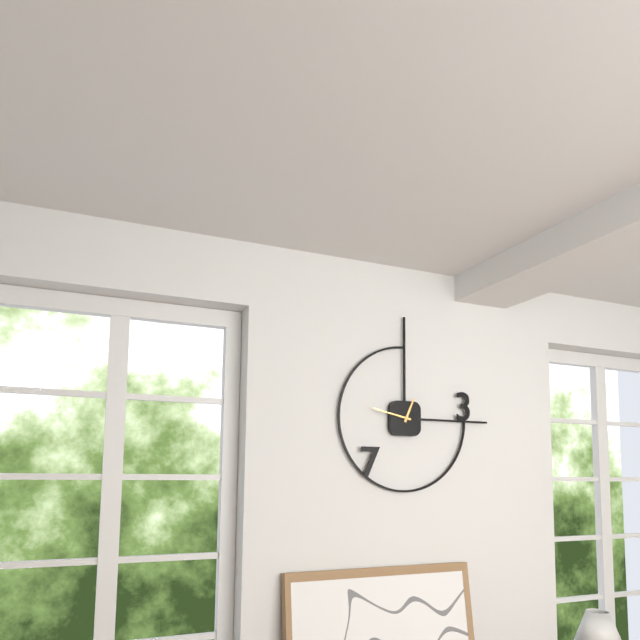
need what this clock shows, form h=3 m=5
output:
h=12 m=47
